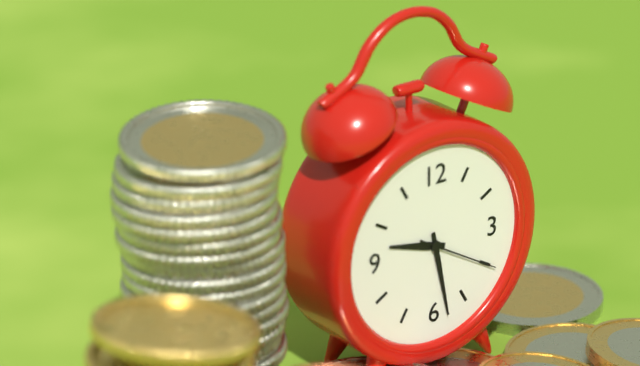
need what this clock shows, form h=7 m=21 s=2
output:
h=9 m=28 s=20
